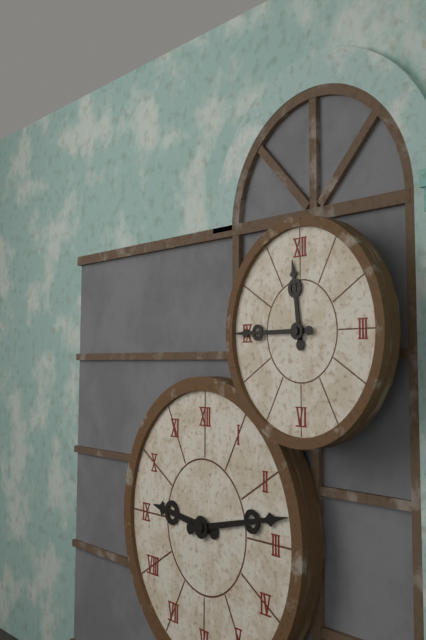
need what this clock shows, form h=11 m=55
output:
h=11 m=45
